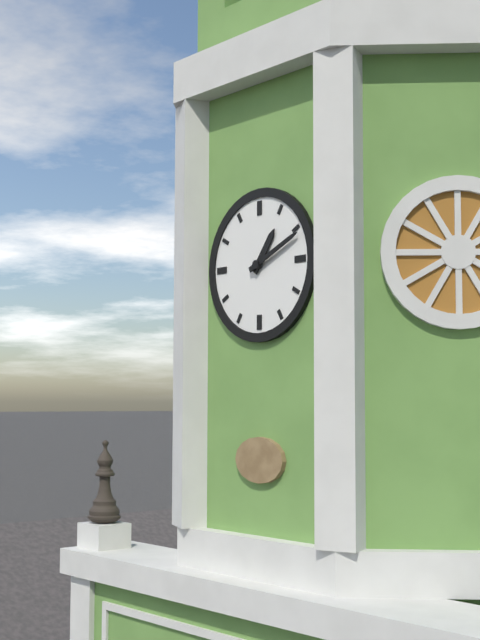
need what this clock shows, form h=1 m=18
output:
h=1 m=11
